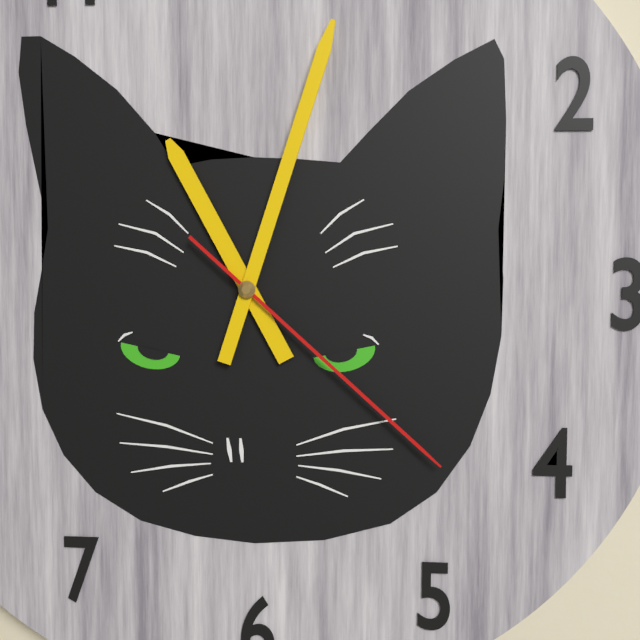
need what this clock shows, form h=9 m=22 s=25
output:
h=11 m=3 s=22
